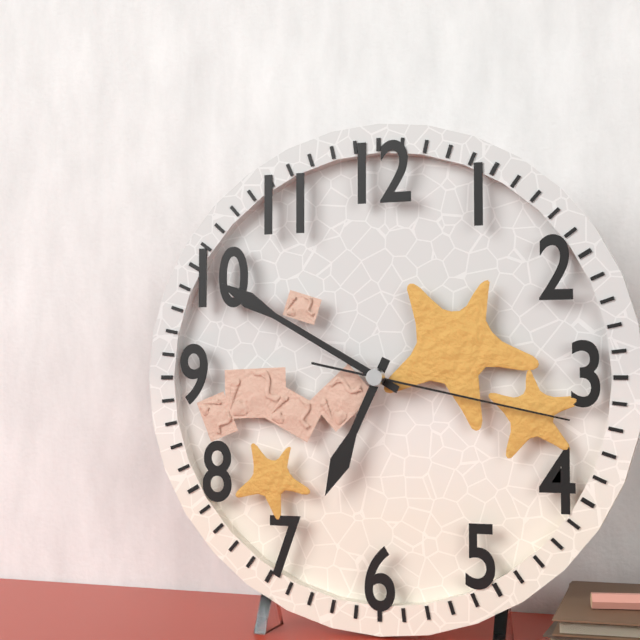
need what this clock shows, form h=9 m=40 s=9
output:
h=6 m=50 s=17
